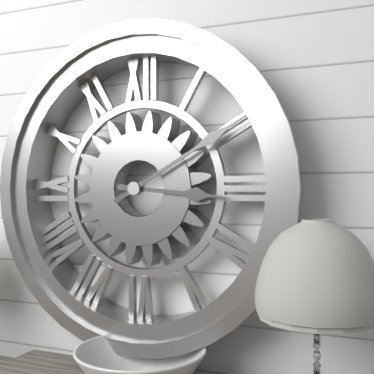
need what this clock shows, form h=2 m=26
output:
h=3 m=10
